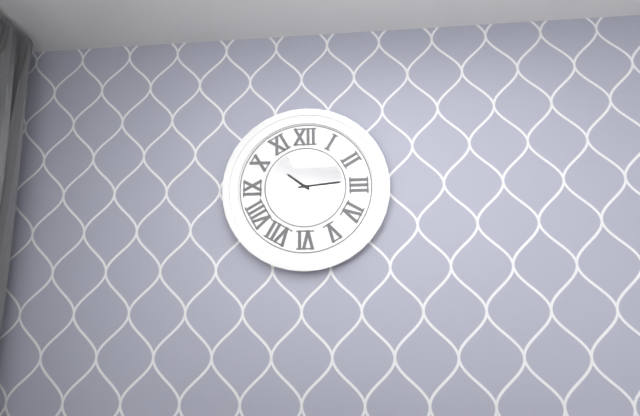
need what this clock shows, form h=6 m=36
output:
h=10 m=14
